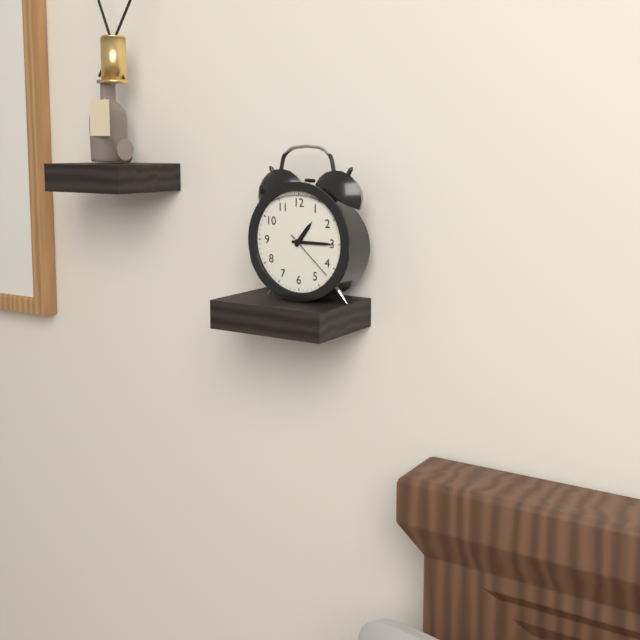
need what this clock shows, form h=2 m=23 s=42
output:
h=1 m=15 s=22
